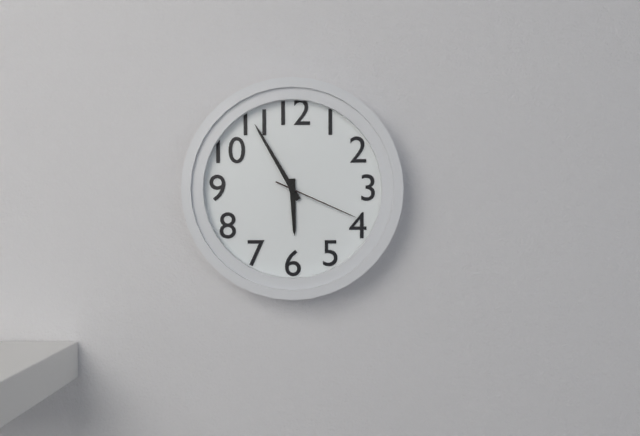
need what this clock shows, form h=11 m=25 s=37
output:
h=5 m=55 s=19
